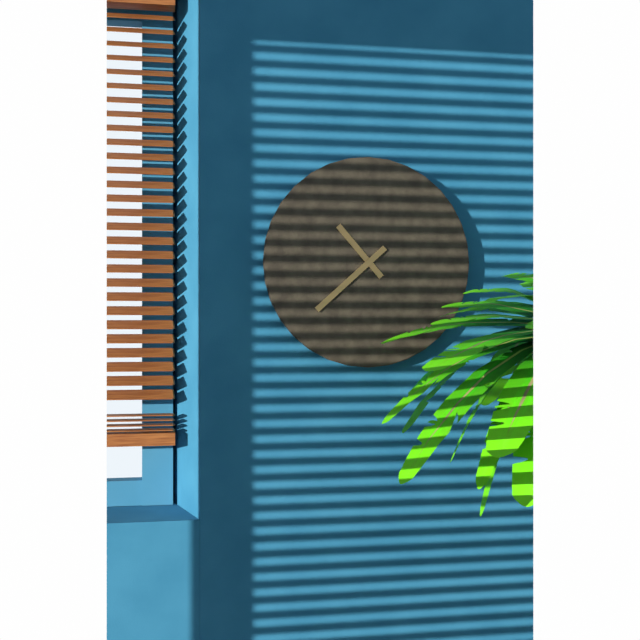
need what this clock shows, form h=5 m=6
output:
h=10 m=38
